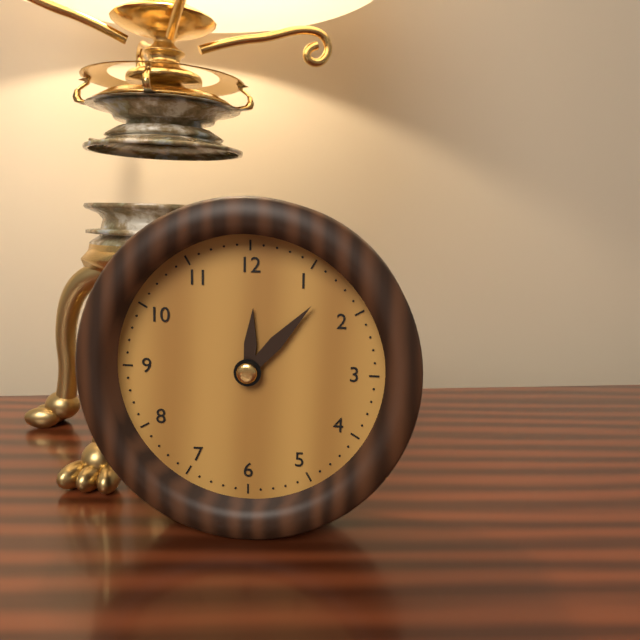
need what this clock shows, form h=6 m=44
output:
h=12 m=7
